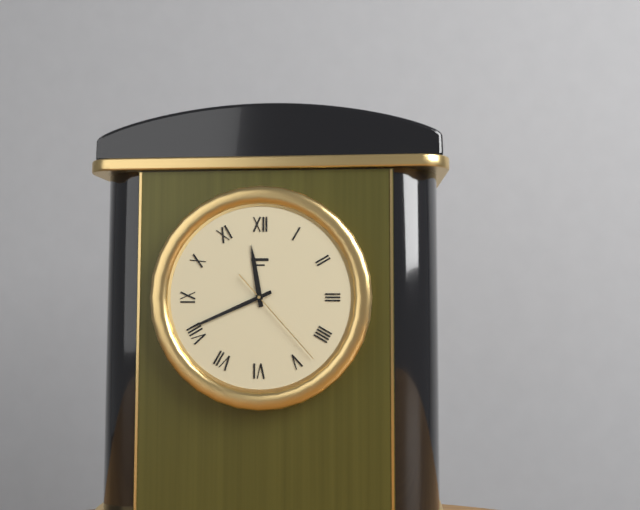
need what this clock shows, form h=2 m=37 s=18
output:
h=11 m=41 s=23
